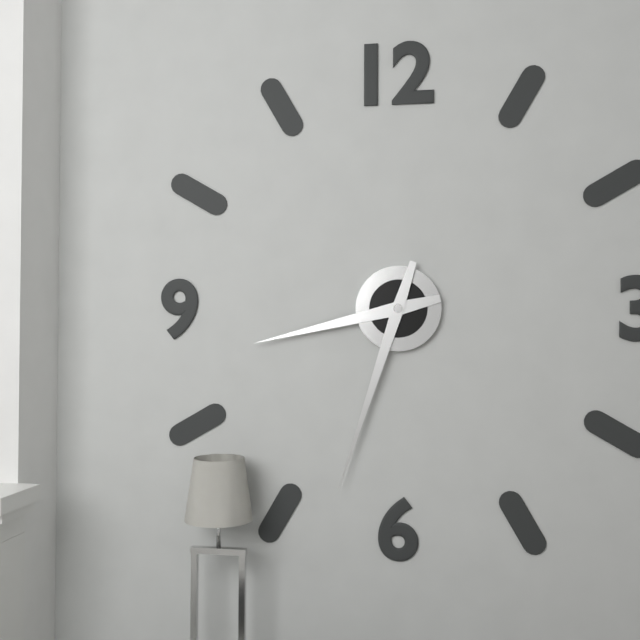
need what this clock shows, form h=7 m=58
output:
h=8 m=33
